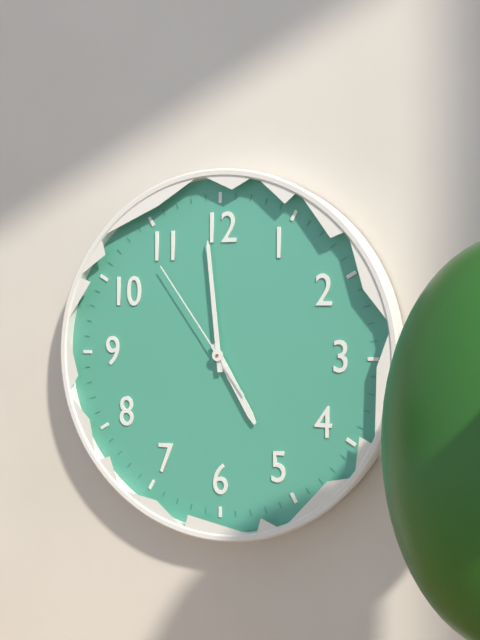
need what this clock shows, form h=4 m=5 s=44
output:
h=4 m=59 s=54
